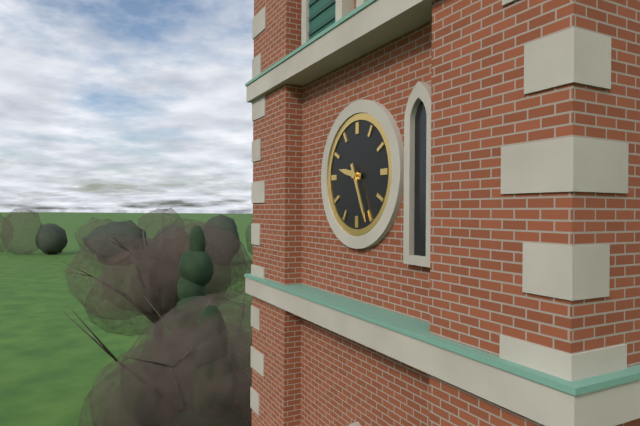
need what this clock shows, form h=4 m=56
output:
h=9 m=26
